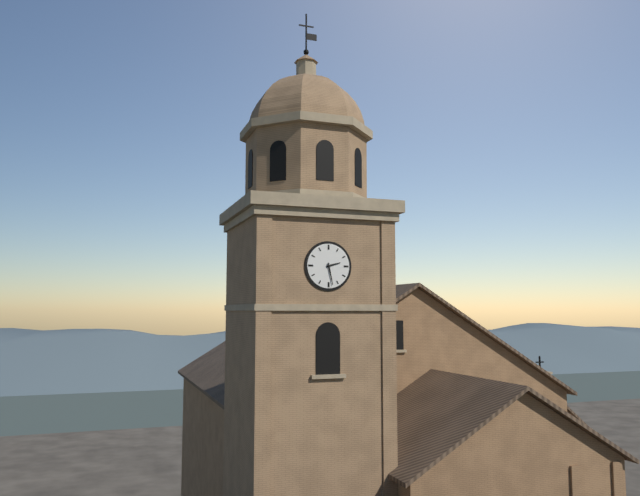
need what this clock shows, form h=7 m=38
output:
h=2 m=28
